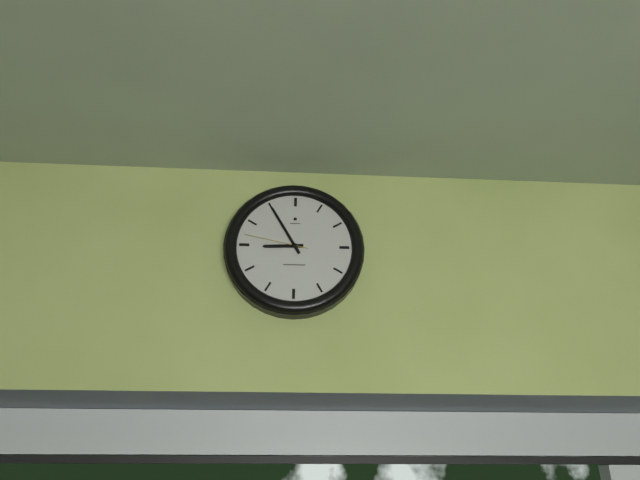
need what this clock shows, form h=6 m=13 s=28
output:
h=8 m=55 s=47
